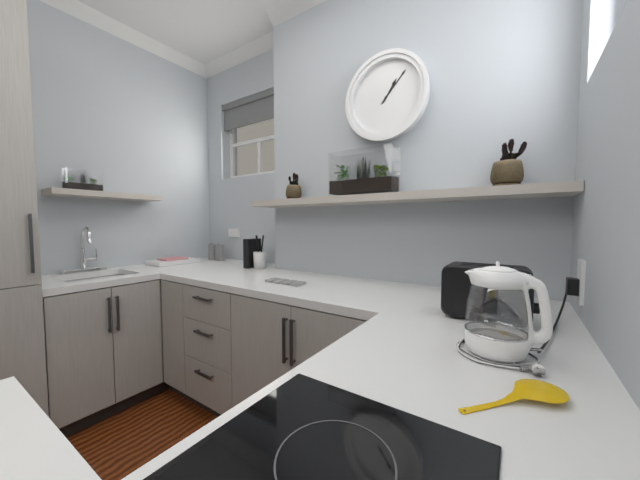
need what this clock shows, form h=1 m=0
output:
h=1 m=7
